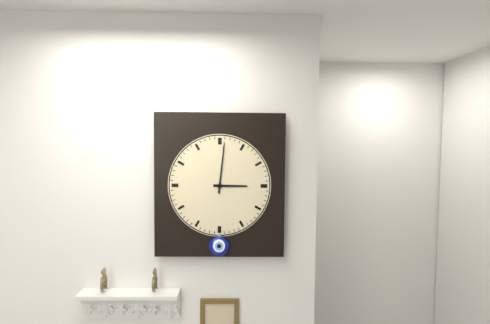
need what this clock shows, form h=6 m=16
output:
h=3 m=1
